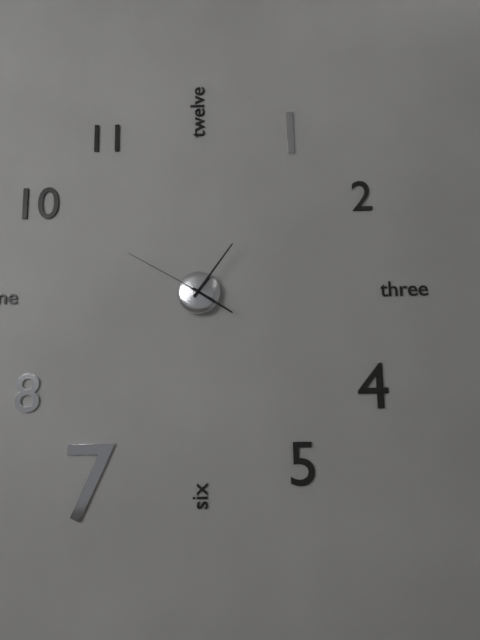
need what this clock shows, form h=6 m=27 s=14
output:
h=4 m=6 s=50
